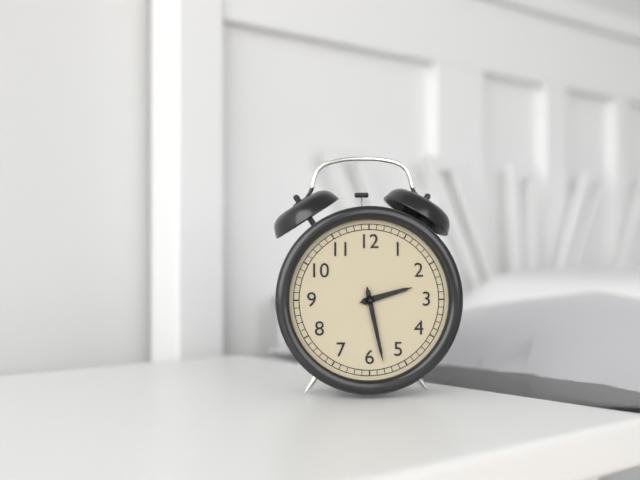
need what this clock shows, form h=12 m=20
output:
h=2 m=28
